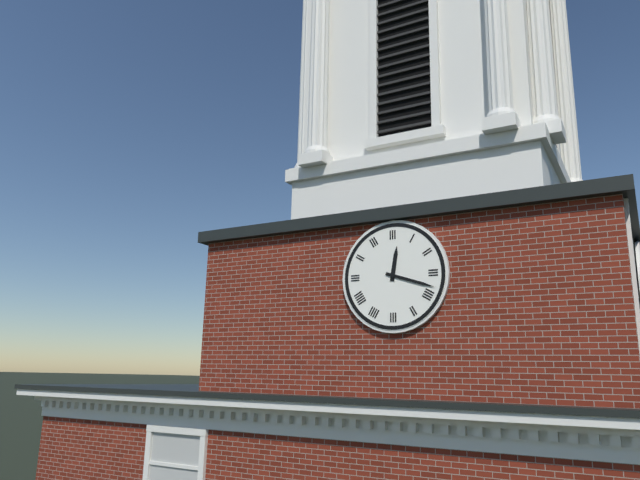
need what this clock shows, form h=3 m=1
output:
h=12 m=18
